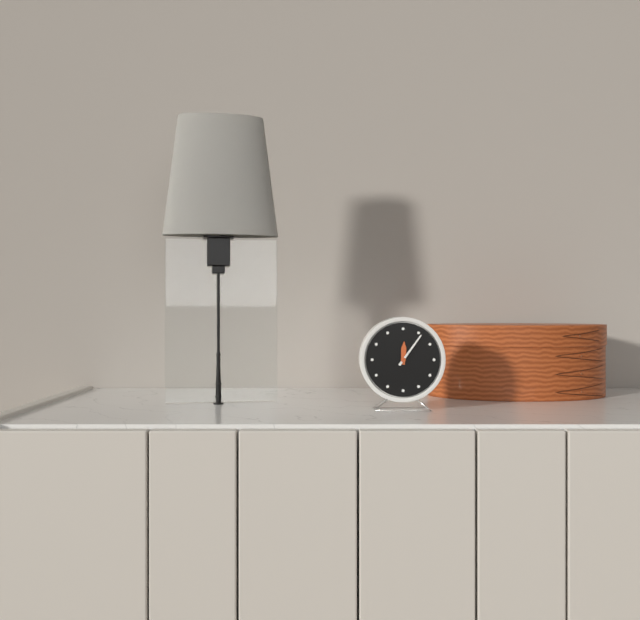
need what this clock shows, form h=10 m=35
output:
h=12 m=6
